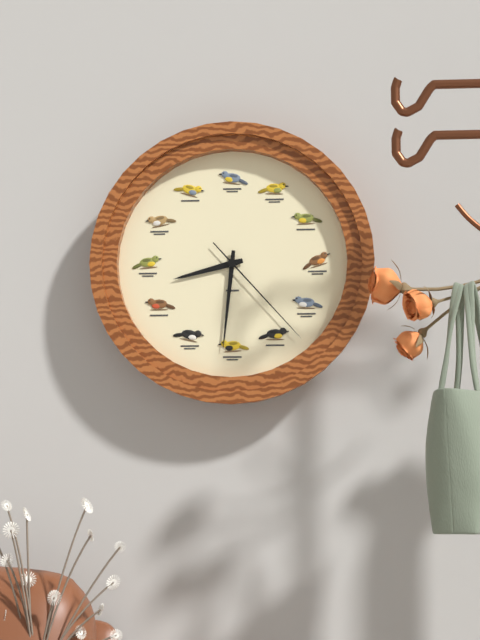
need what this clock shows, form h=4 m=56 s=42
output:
h=8 m=31 s=23
